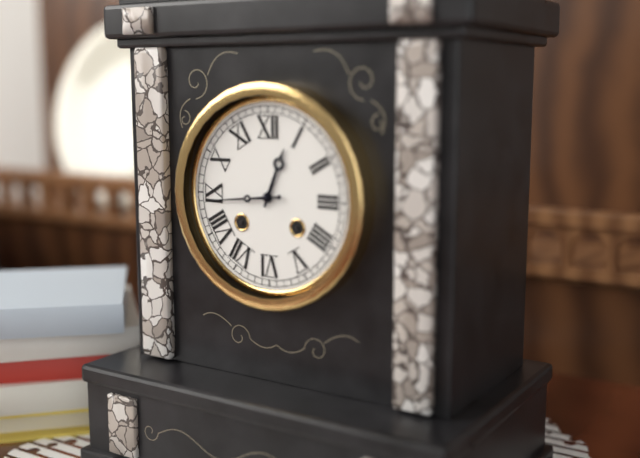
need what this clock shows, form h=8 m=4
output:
h=12 m=44
